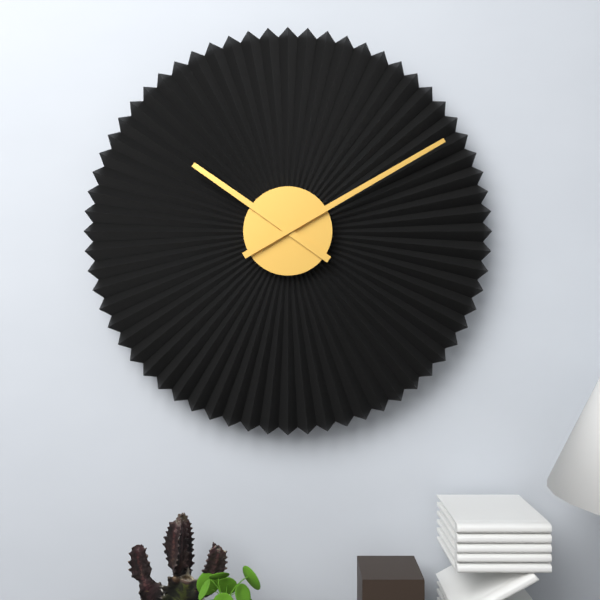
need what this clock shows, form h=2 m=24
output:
h=10 m=10
